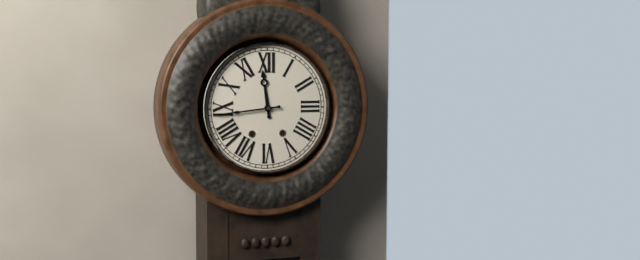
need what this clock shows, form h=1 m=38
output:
h=11 m=44
